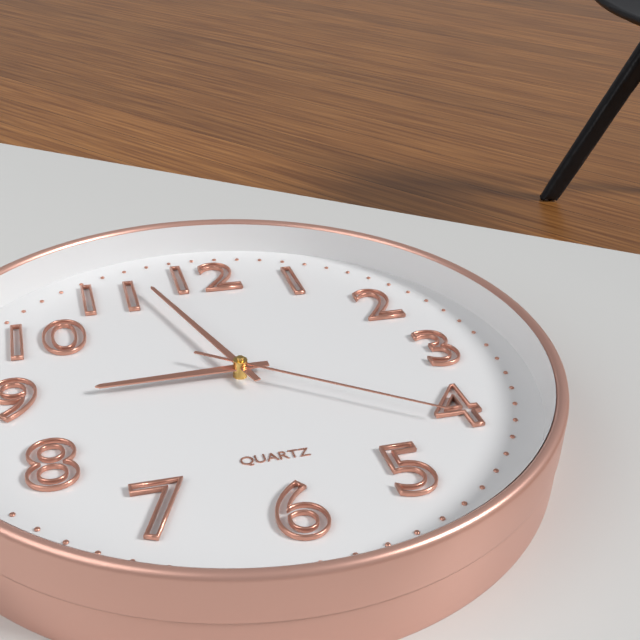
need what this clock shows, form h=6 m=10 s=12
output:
h=8 m=57 s=21
